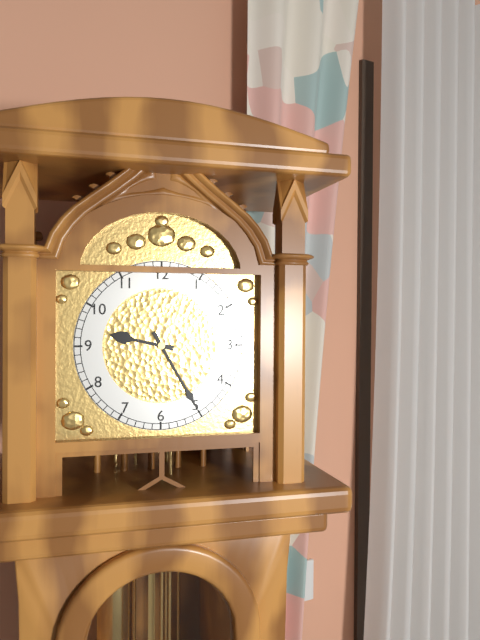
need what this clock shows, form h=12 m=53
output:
h=9 m=25
